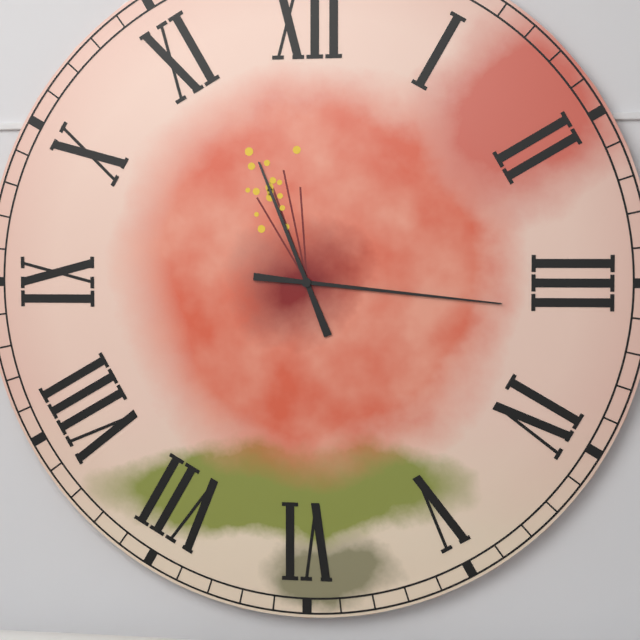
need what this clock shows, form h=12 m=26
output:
h=11 m=16
